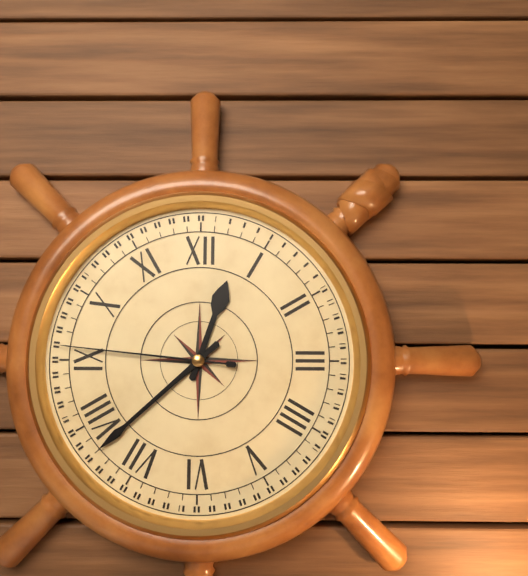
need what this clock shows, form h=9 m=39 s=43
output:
h=12 m=38 s=46
